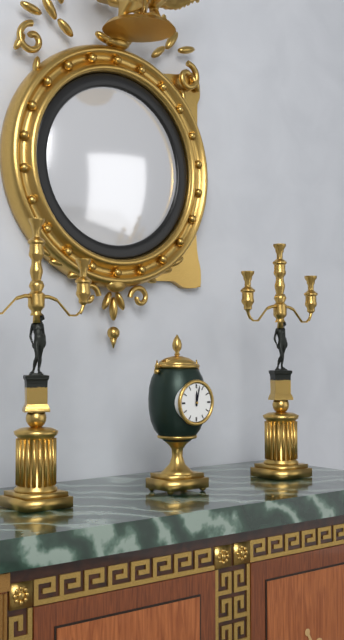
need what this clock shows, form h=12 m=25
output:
h=12 m=2
